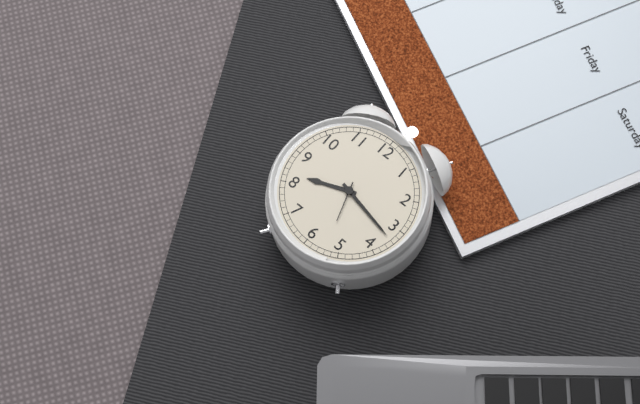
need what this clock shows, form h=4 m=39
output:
h=8 m=17
